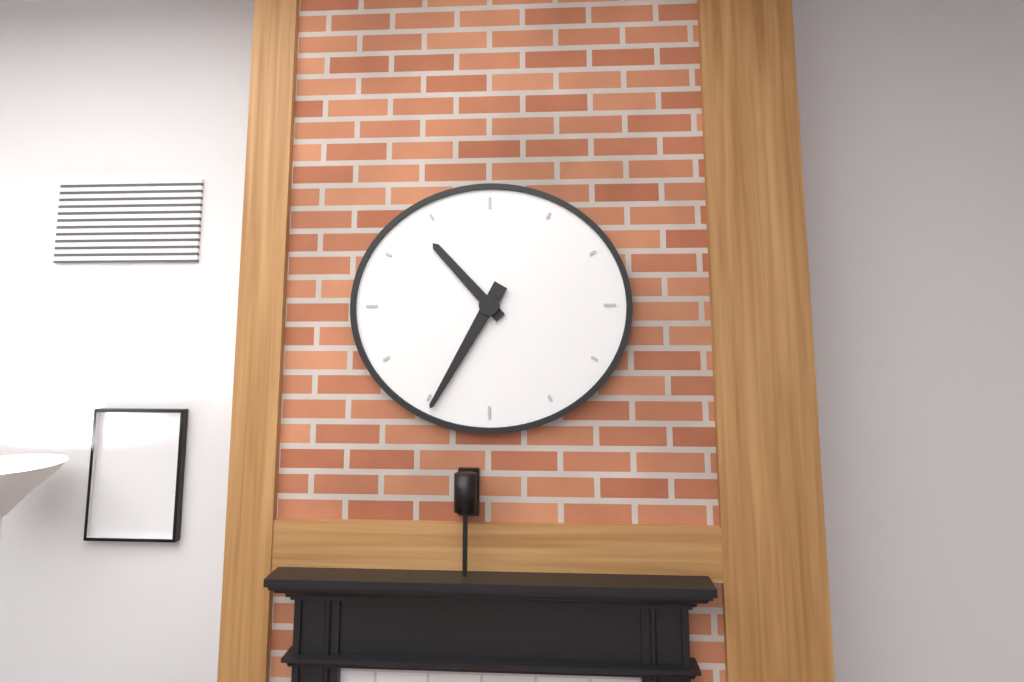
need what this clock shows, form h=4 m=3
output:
h=10 m=35
